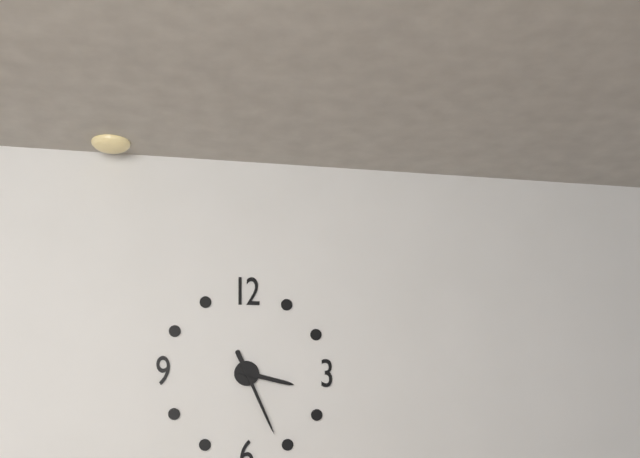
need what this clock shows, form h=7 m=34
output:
h=3 m=26
